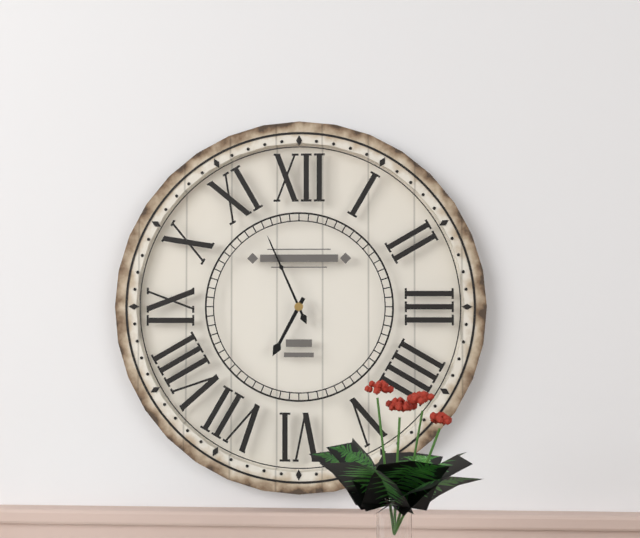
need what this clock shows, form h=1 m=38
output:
h=6 m=56
